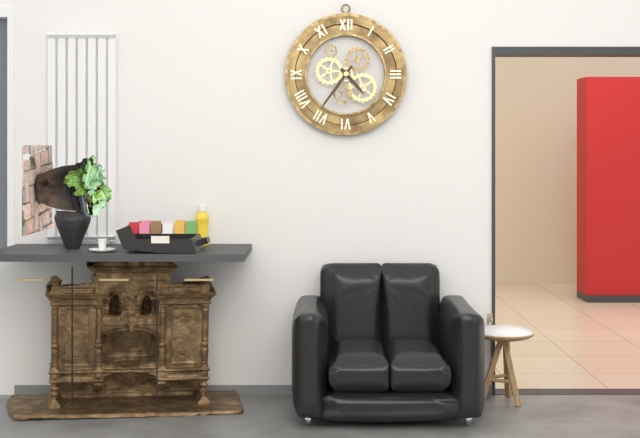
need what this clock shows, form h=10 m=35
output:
h=4 m=36
